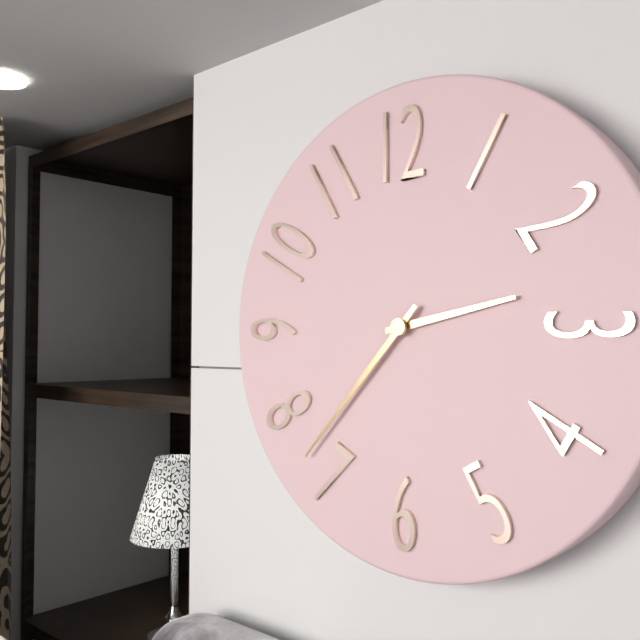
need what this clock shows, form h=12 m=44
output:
h=2 m=37
